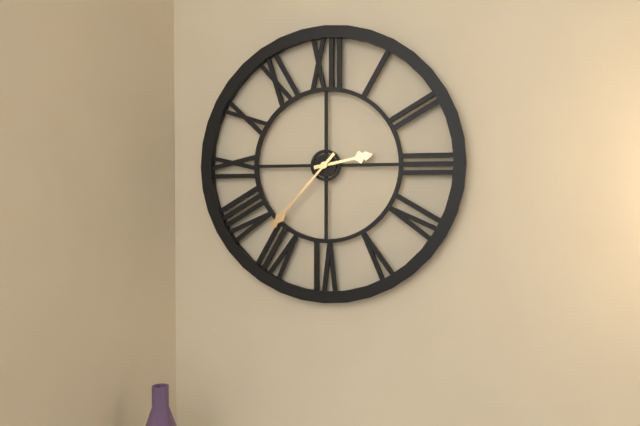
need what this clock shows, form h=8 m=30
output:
h=2 m=37
